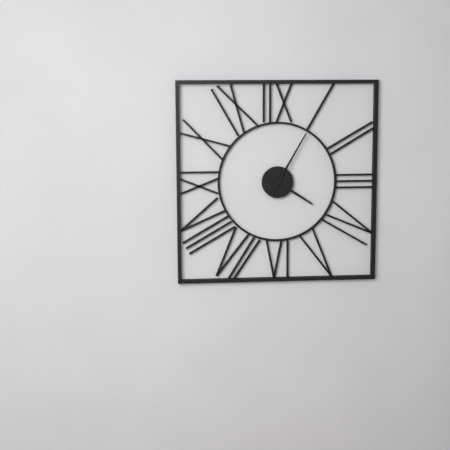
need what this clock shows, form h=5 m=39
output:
h=4 m=5
